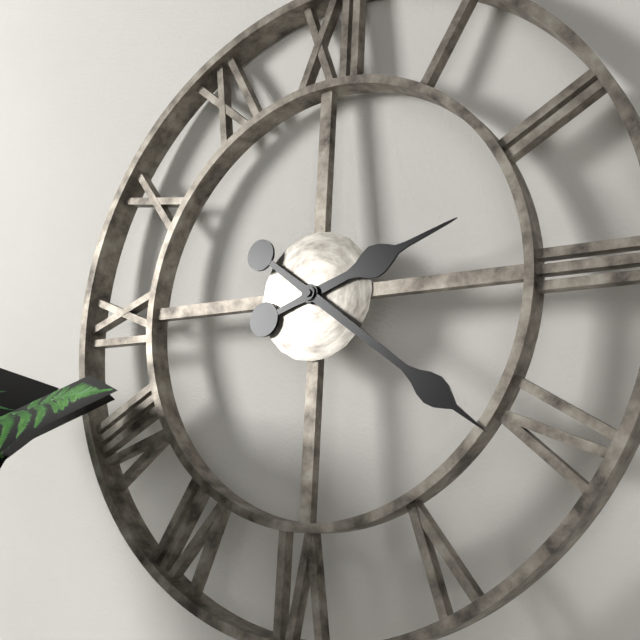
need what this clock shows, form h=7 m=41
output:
h=2 m=21
